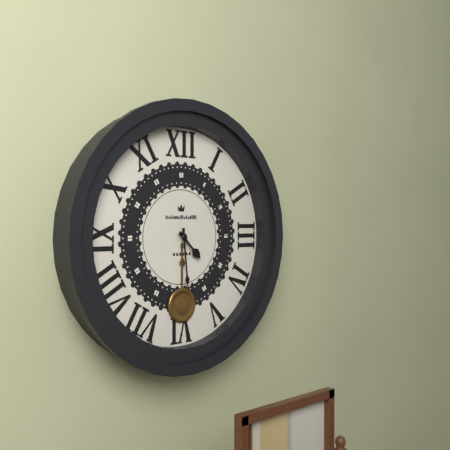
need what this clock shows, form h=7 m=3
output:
h=4 m=29
